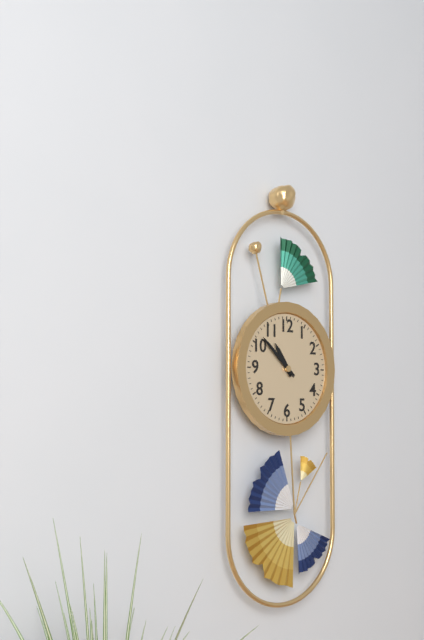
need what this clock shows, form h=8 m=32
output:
h=10 m=52
